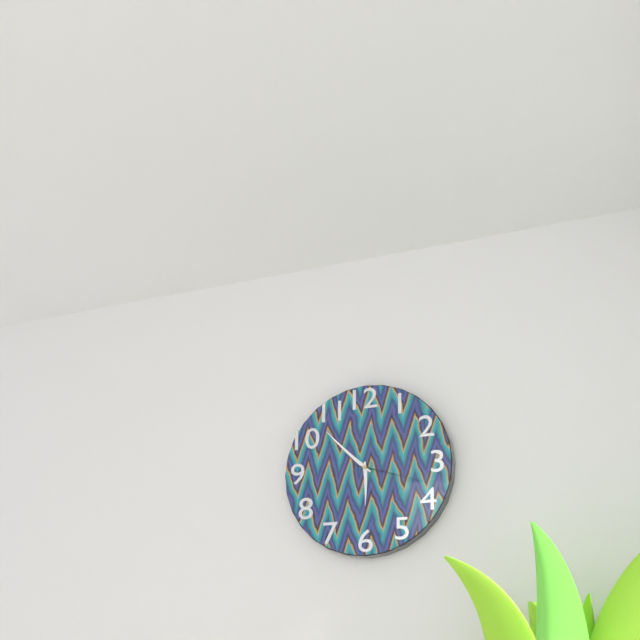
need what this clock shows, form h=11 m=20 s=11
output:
h=5 m=52 s=18
